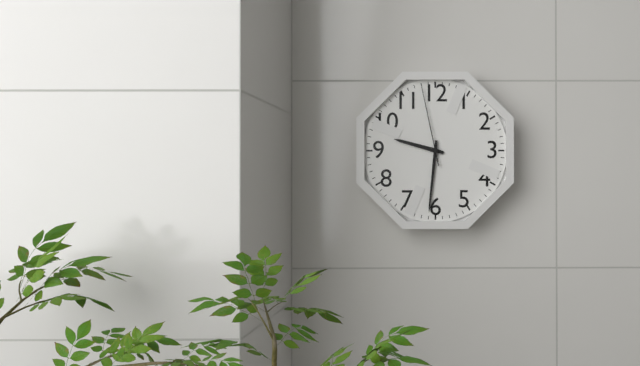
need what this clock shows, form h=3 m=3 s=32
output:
h=9 m=31 s=58
